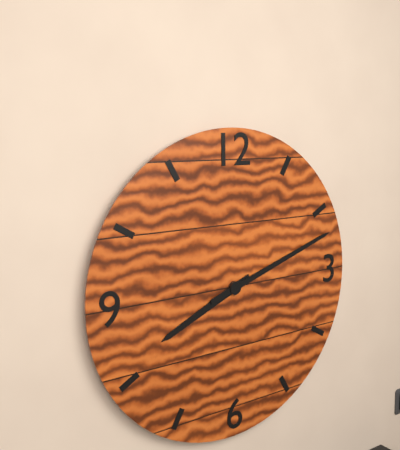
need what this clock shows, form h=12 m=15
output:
h=8 m=12
